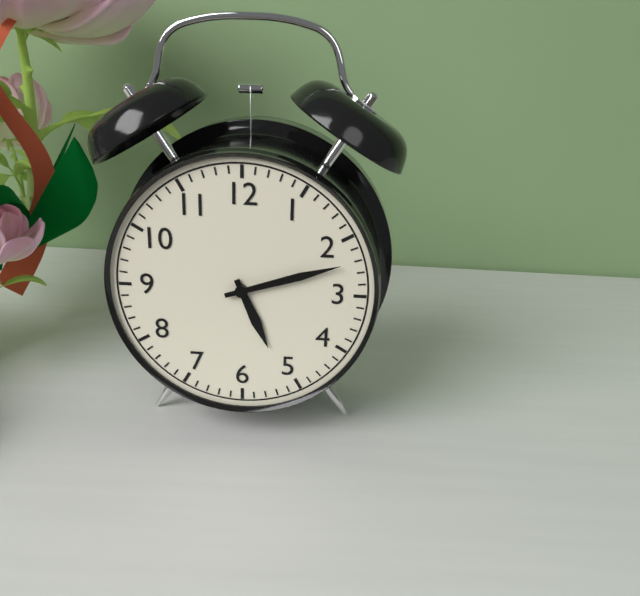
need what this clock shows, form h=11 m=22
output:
h=5 m=12
